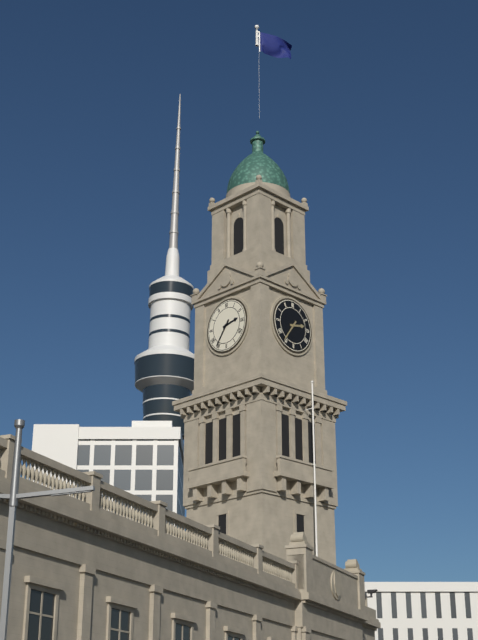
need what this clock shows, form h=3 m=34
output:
h=2 m=36
